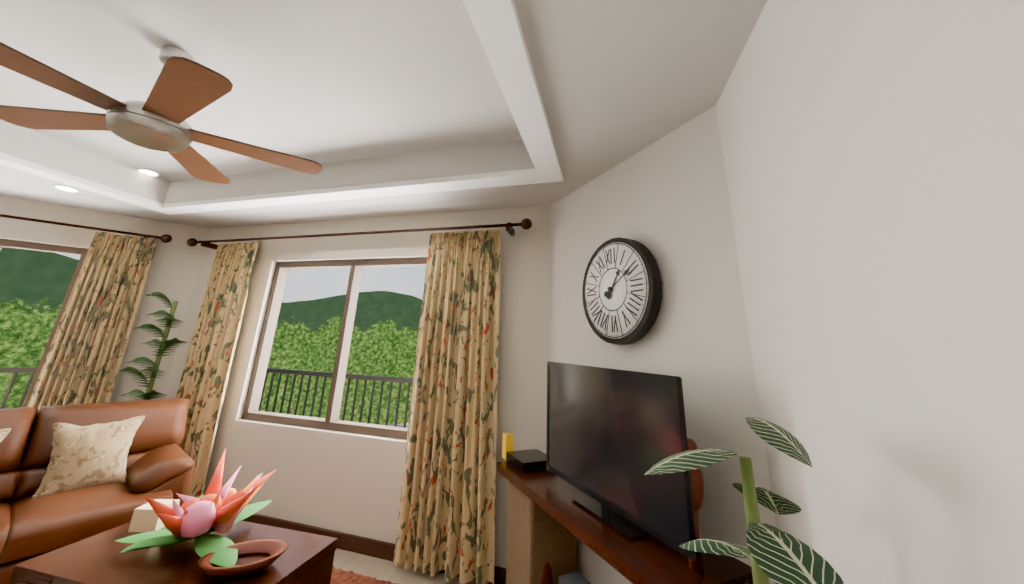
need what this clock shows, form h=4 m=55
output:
h=1 m=10
